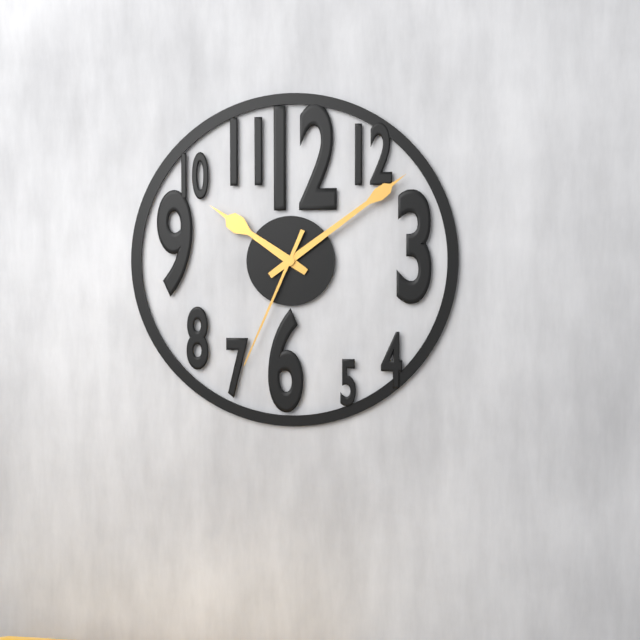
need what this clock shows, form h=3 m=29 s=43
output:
h=10 m=9 s=34
